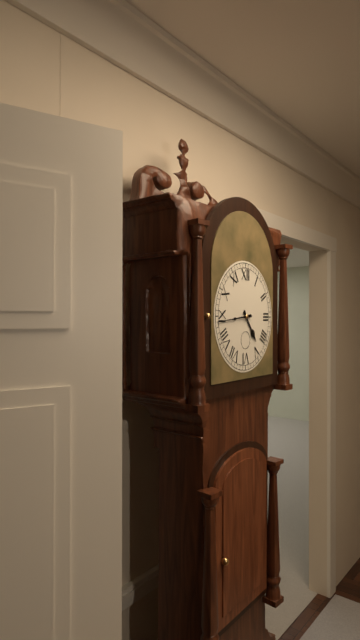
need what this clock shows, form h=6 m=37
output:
h=4 m=44
